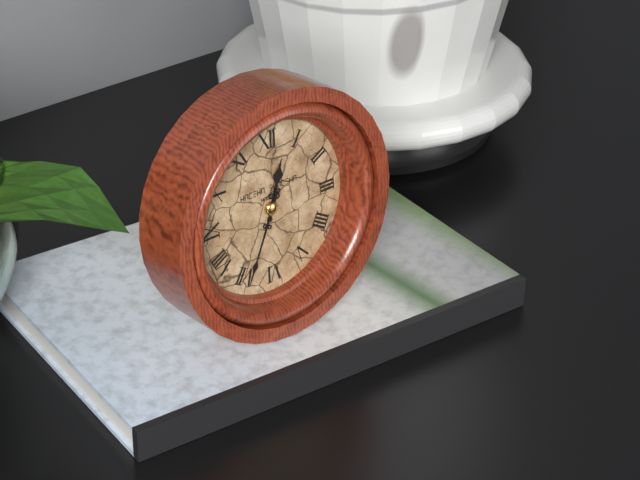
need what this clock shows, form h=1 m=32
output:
h=12 m=34
